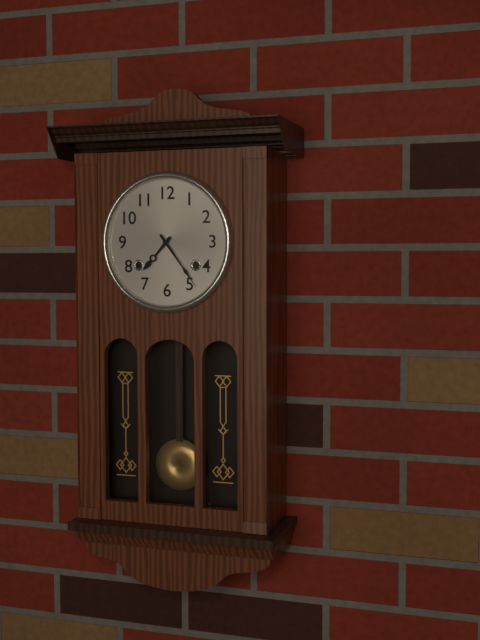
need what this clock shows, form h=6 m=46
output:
h=7 m=24
